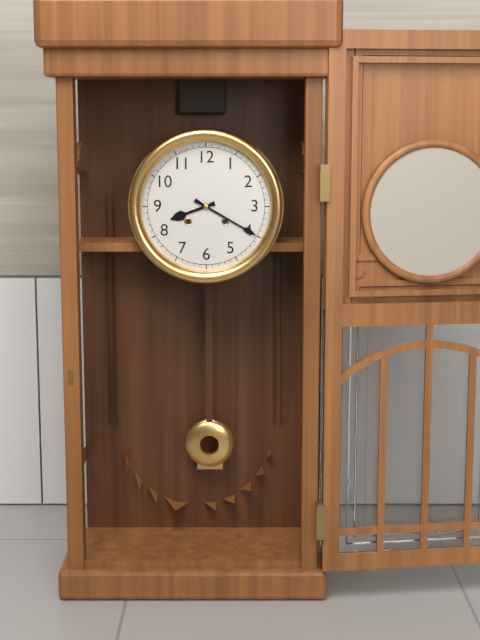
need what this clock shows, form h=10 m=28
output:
h=8 m=20
